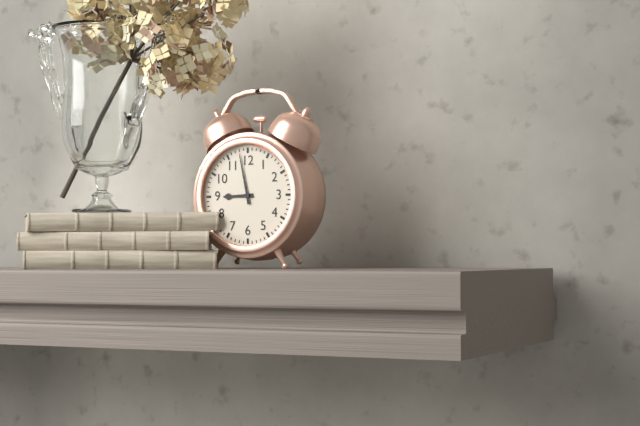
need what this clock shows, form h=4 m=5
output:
h=8 m=58
